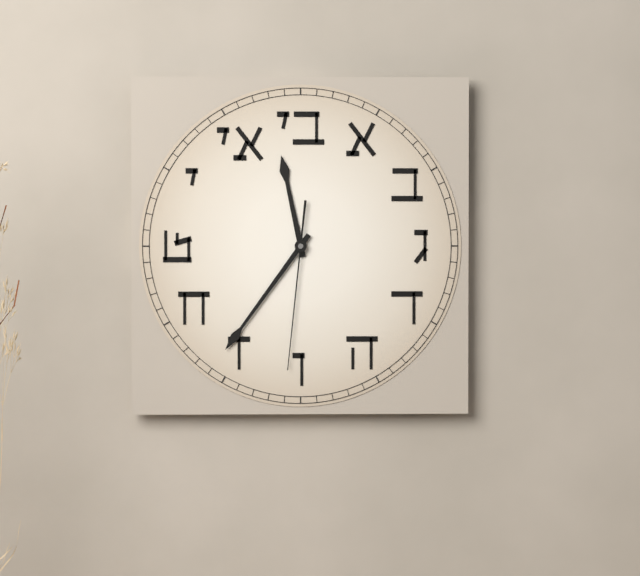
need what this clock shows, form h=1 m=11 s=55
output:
h=11 m=36 s=31
